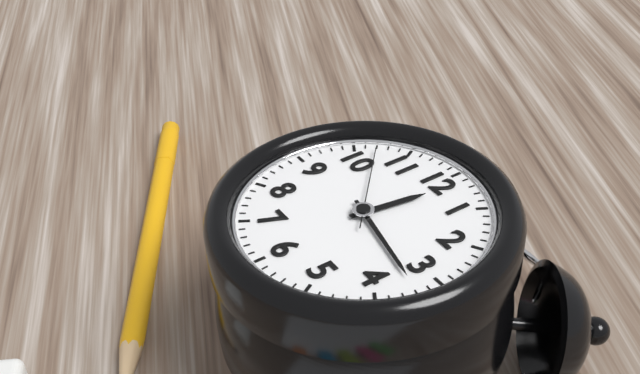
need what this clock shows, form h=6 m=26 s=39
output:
h=12 m=17 s=52
